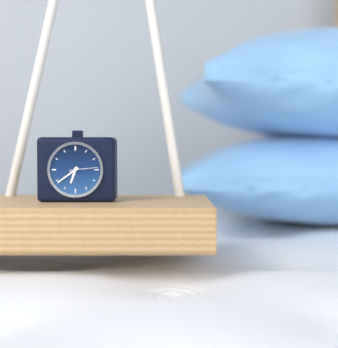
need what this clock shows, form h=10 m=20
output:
h=6 m=39
